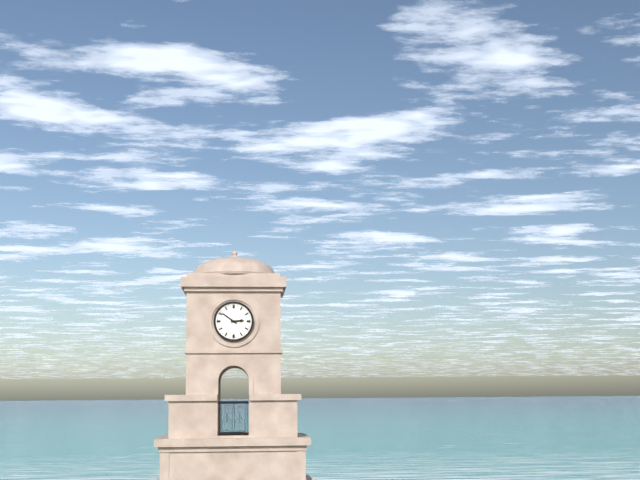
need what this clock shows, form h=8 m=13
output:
h=2 m=51
